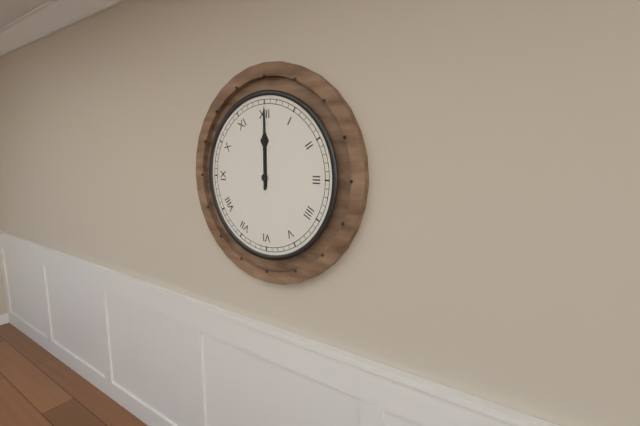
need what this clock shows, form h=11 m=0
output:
h=12 m=0
